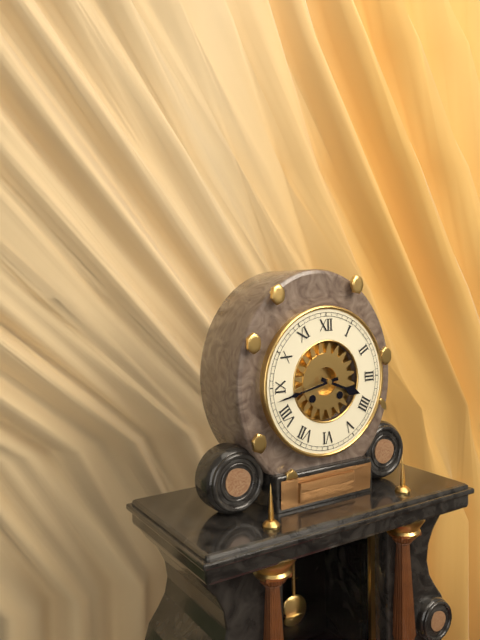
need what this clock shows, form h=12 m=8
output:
h=3 m=43
